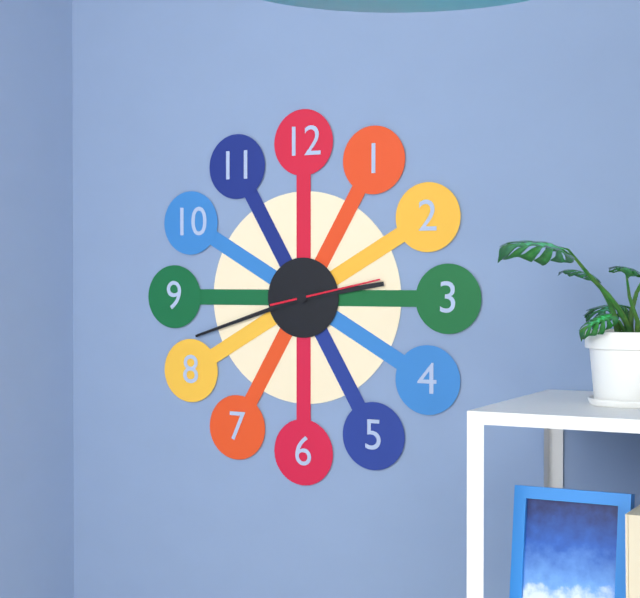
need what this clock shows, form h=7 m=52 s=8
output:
h=2 m=42 s=13
